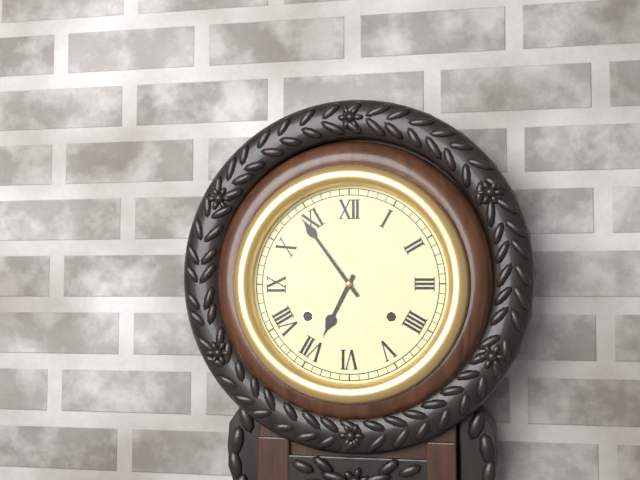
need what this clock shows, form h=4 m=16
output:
h=6 m=54
